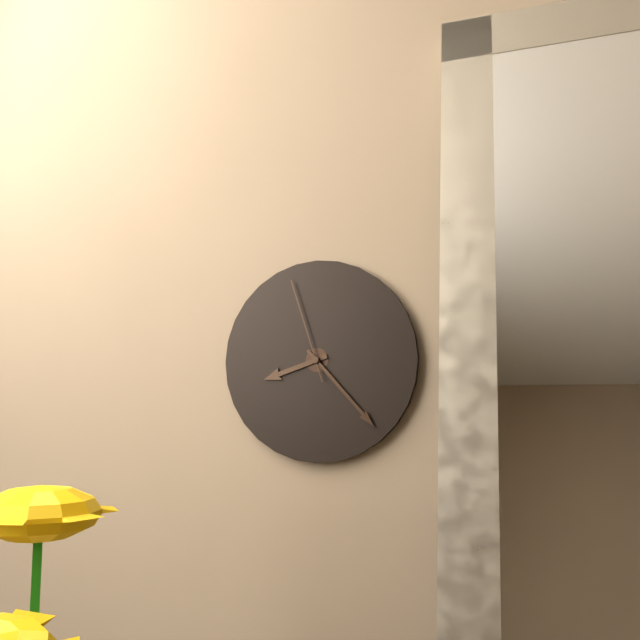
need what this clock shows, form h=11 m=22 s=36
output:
h=8 m=23 s=57
